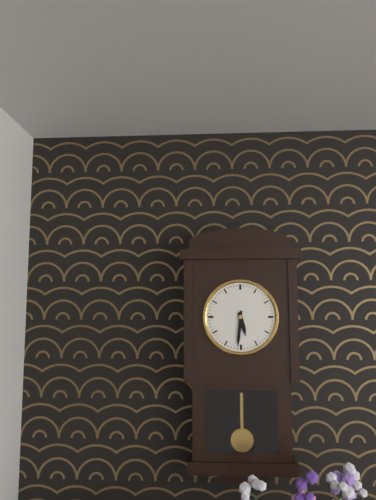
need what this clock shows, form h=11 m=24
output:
h=5 m=31
